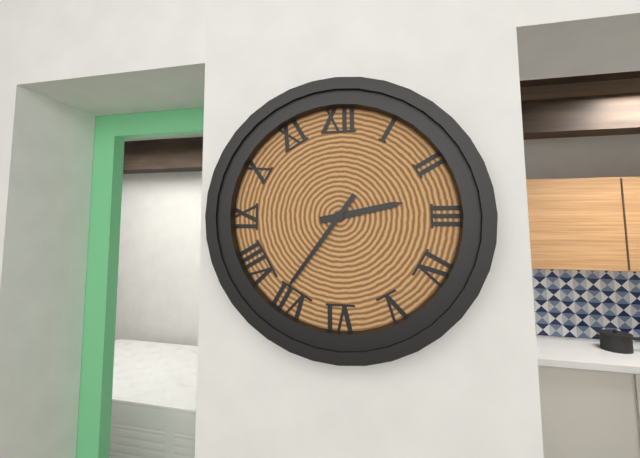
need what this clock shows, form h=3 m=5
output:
h=2 m=36
